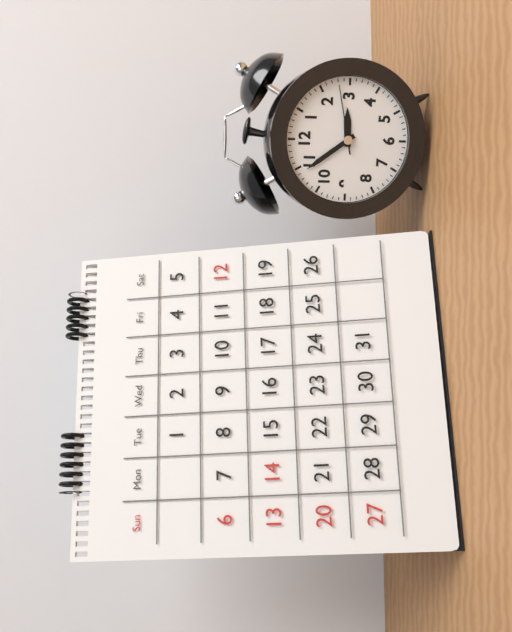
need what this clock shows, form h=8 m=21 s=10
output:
h=2 m=54 s=13
